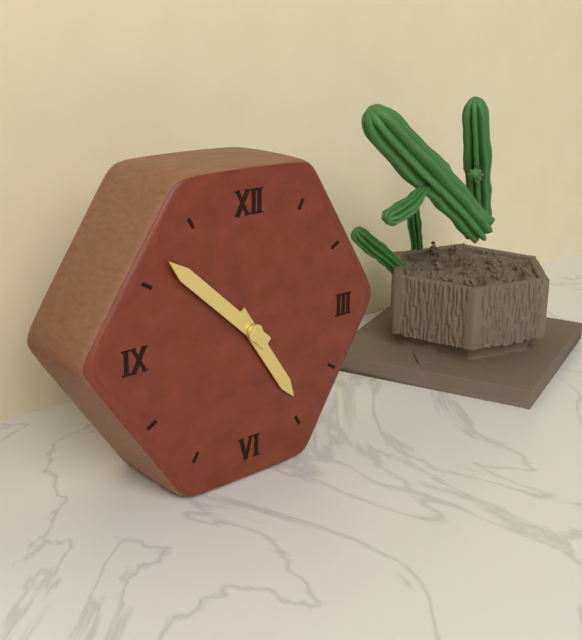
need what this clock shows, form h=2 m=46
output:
h=4 m=52
